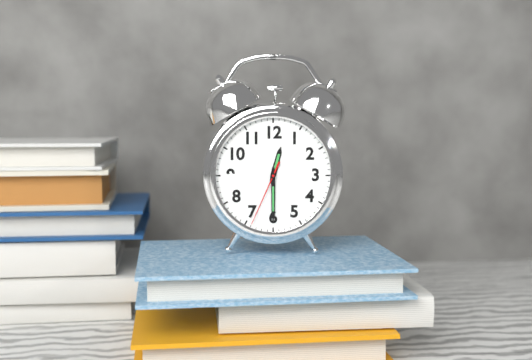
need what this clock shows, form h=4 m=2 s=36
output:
h=12 m=30 s=34
